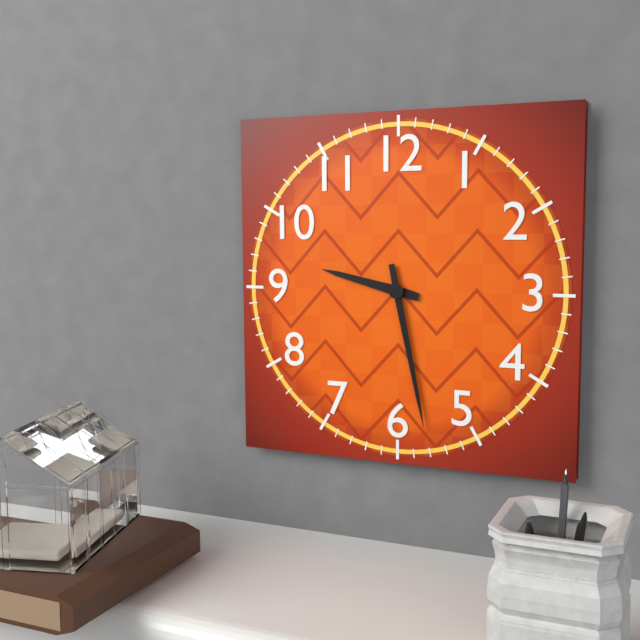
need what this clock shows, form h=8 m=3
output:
h=9 m=28
